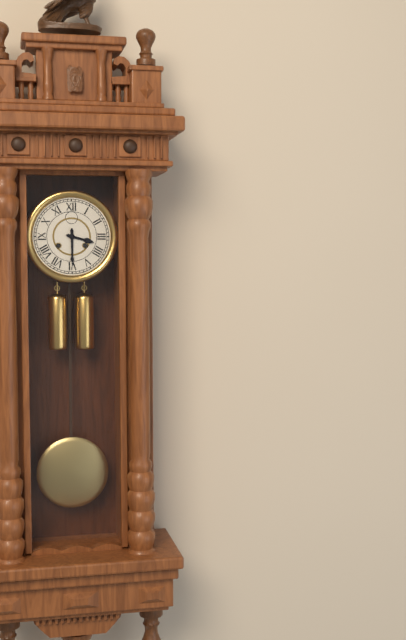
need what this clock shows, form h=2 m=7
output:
h=3 m=30
